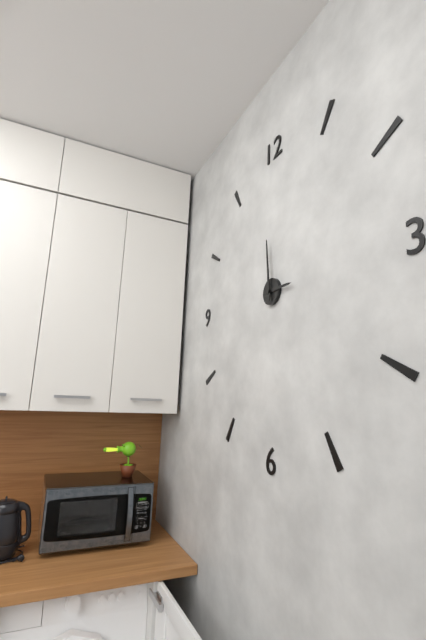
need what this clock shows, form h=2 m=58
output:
h=2 m=59
